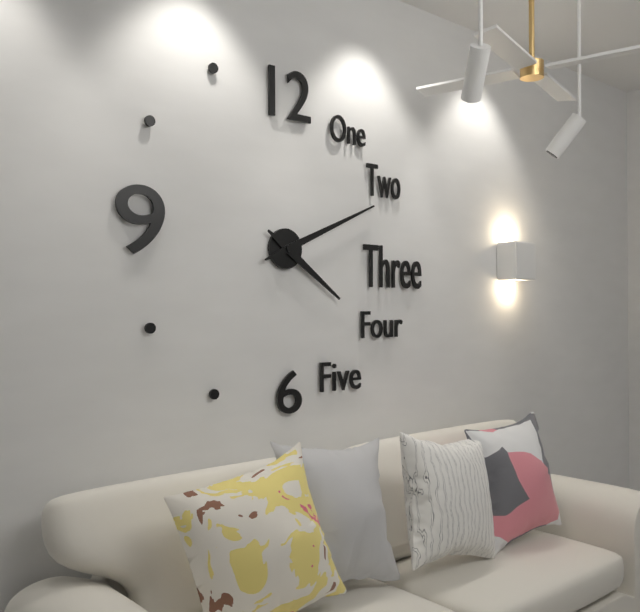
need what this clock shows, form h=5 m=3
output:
h=4 m=11
